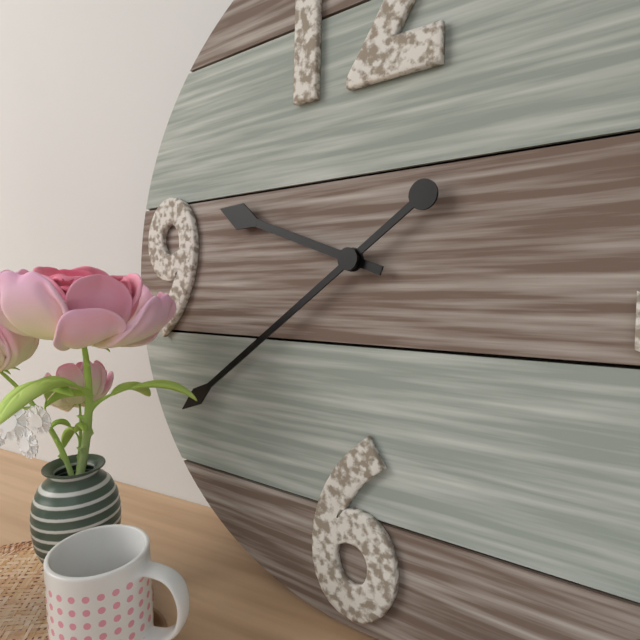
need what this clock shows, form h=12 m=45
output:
h=9 m=39
